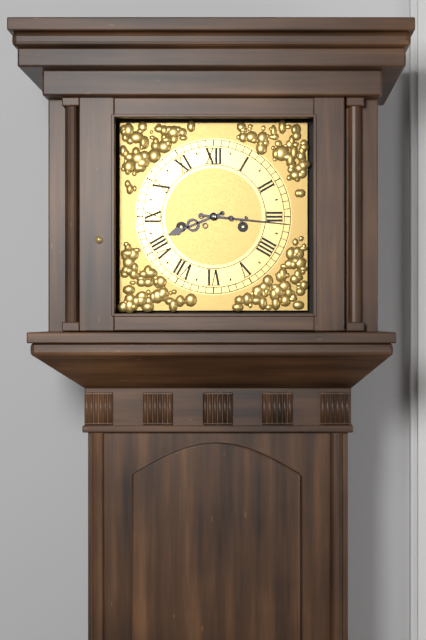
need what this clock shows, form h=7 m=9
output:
h=8 m=16
